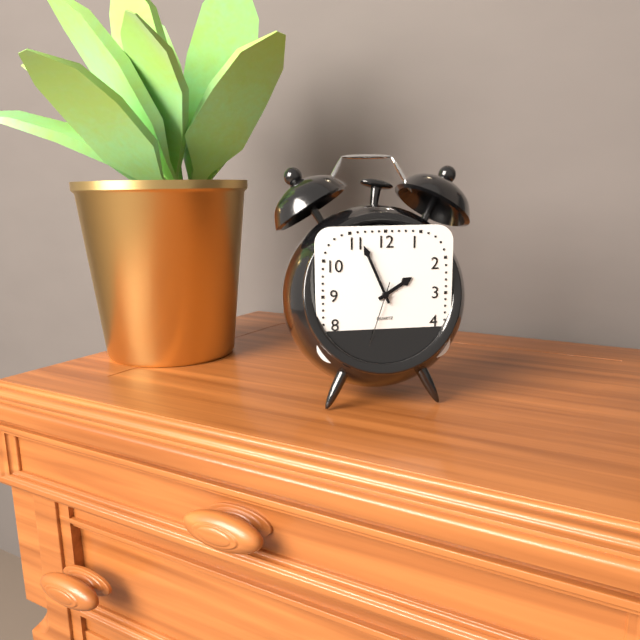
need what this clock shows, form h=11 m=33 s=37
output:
h=1 m=56 s=33
